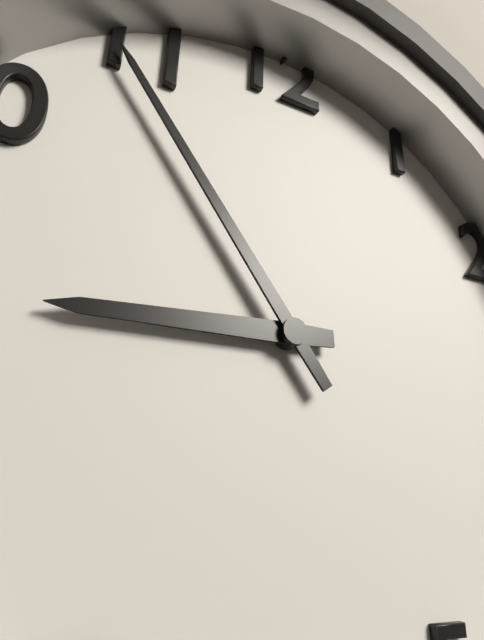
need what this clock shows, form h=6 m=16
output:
h=8 m=54
